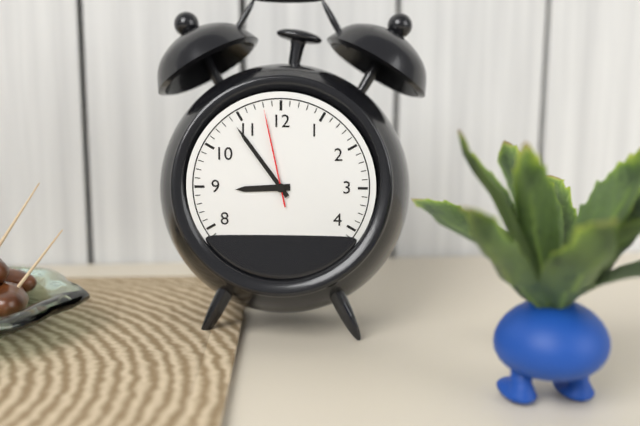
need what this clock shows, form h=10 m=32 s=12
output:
h=8 m=54 s=58
